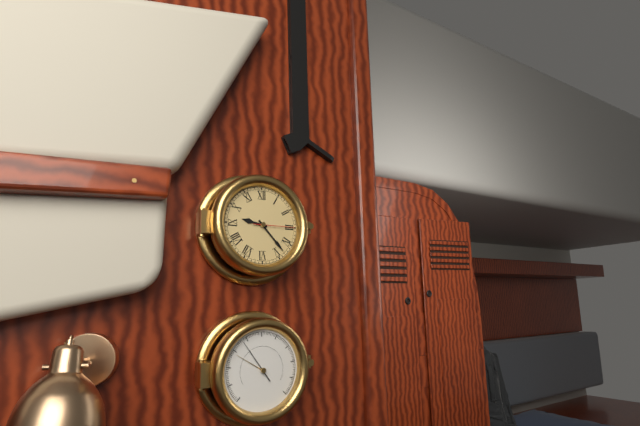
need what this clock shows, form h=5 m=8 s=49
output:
h=9 m=23 s=15
